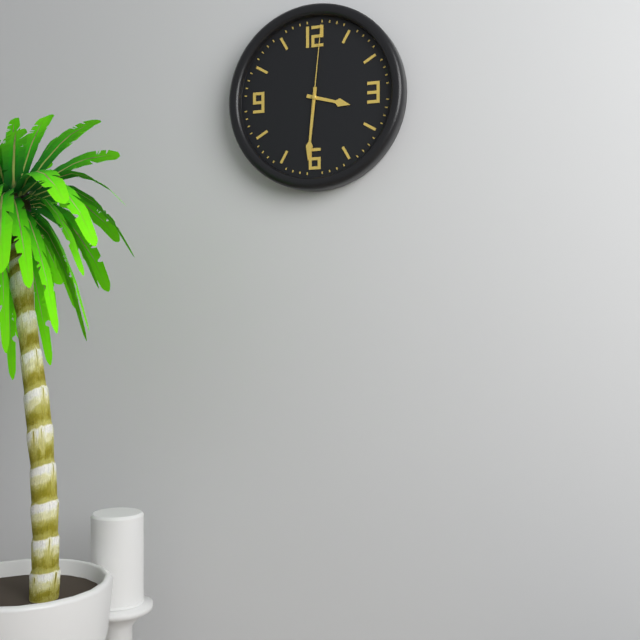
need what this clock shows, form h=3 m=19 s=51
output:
h=3 m=31 s=1
